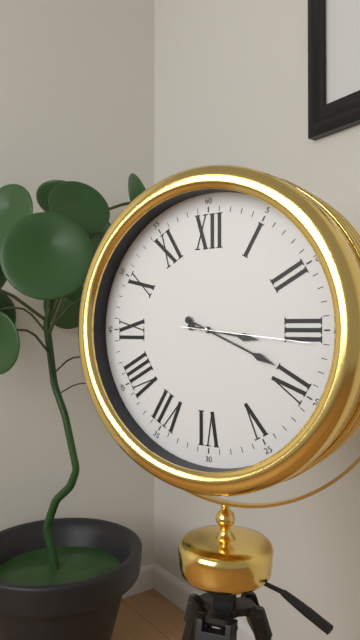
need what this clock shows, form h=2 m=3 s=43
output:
h=3 m=19 s=16
